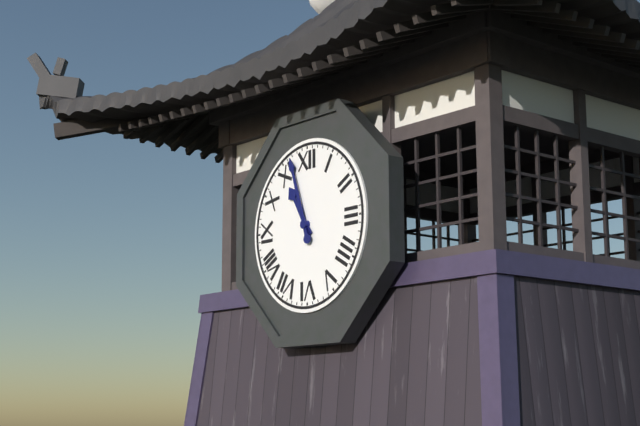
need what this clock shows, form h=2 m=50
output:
h=10 m=57
